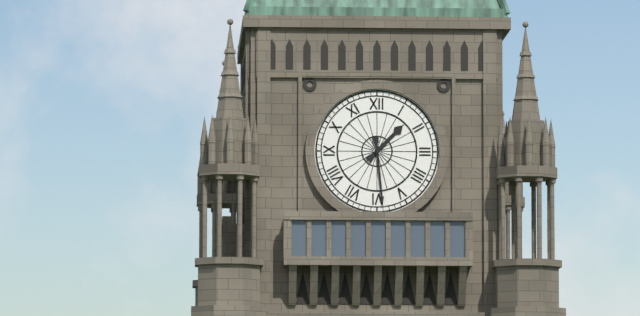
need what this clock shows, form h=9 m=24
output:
h=1 m=29
